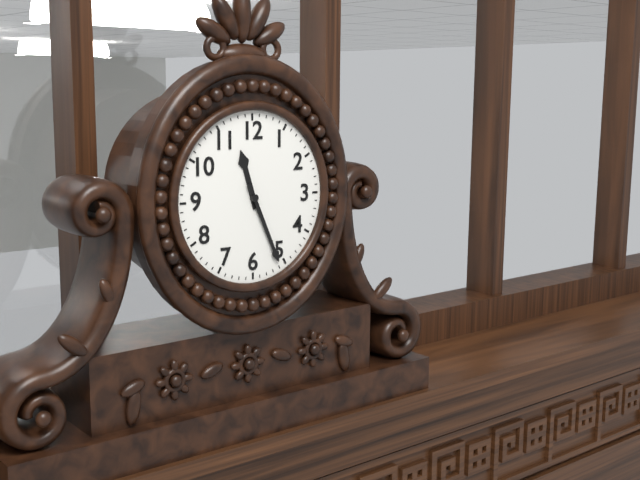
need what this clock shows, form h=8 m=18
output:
h=11 m=26
